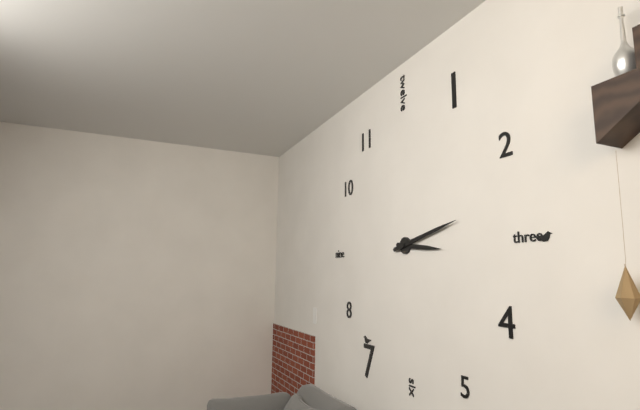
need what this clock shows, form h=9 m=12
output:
h=3 m=13
